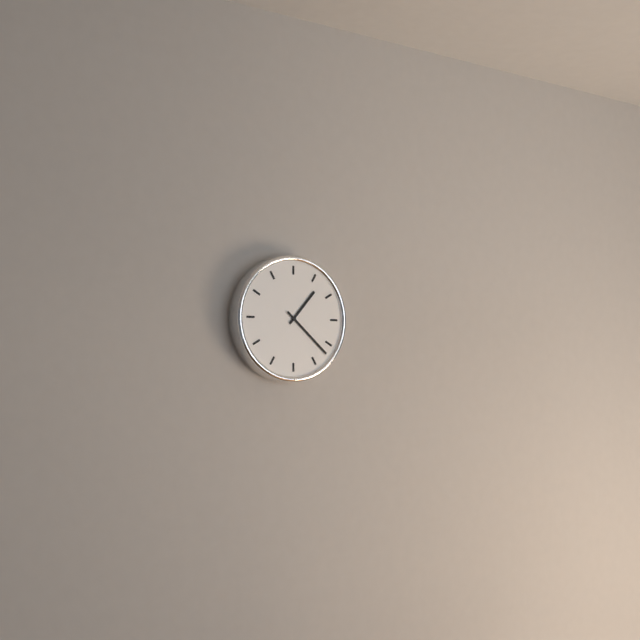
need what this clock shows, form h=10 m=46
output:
h=1 m=22
